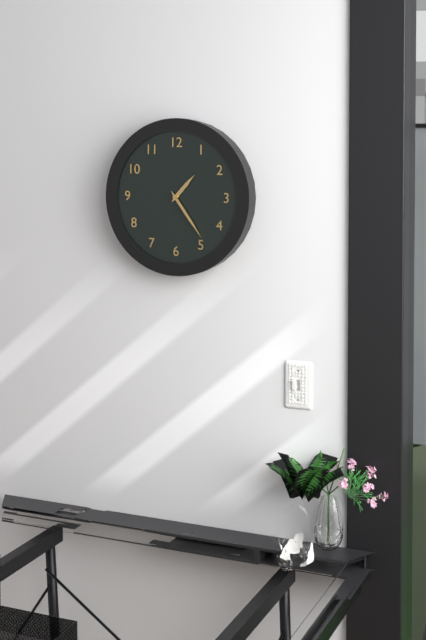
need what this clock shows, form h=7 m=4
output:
h=1 m=24
